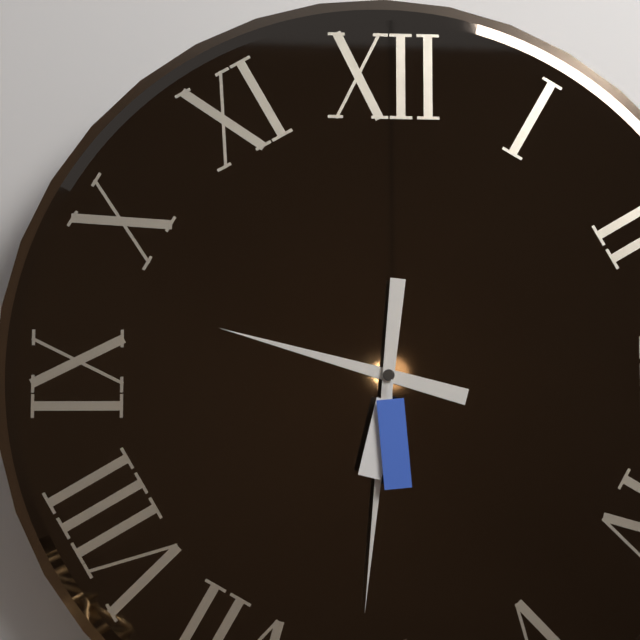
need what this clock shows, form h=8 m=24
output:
h=9 m=31
